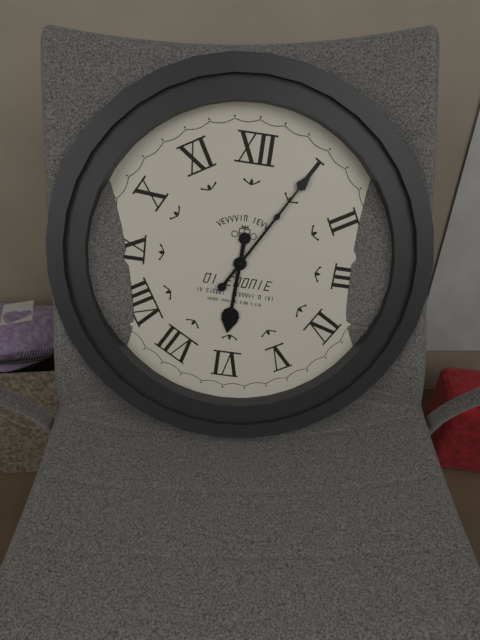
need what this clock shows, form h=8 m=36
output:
h=6 m=5
